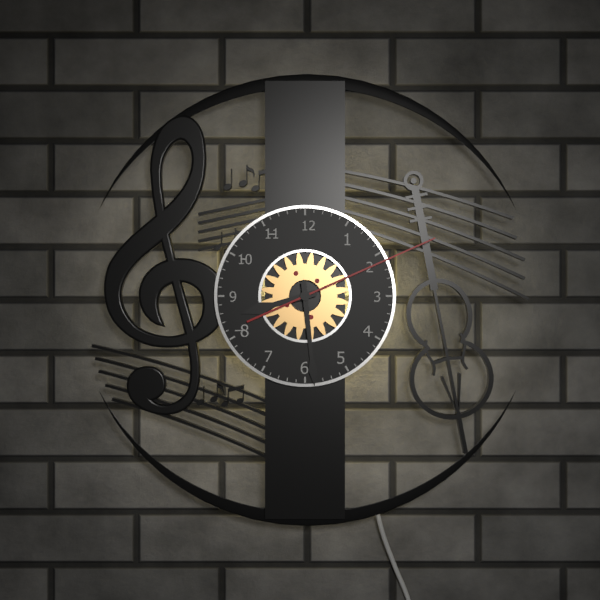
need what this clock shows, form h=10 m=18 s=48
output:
h=8 m=29 s=11
